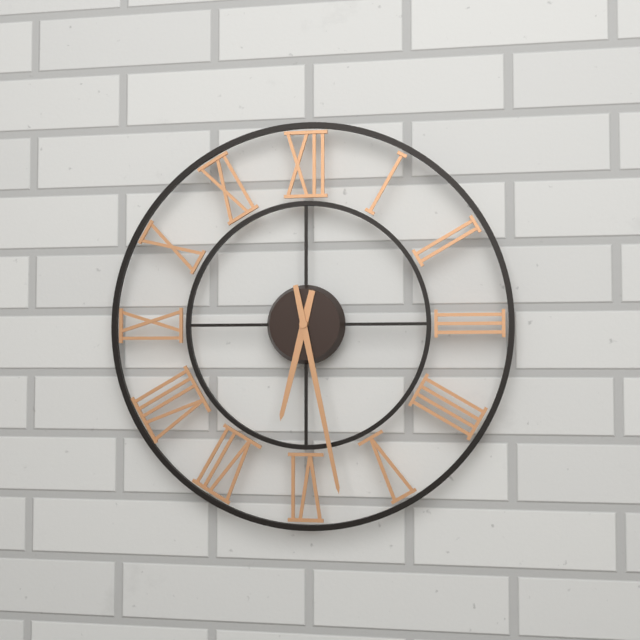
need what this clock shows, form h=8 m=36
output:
h=6 m=28
